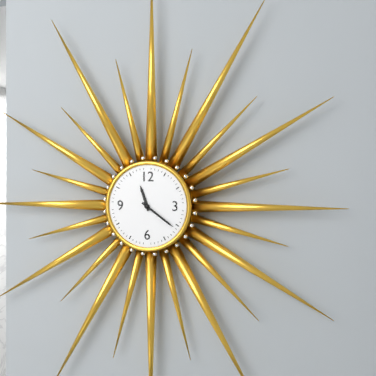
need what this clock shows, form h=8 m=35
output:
h=11 m=21
